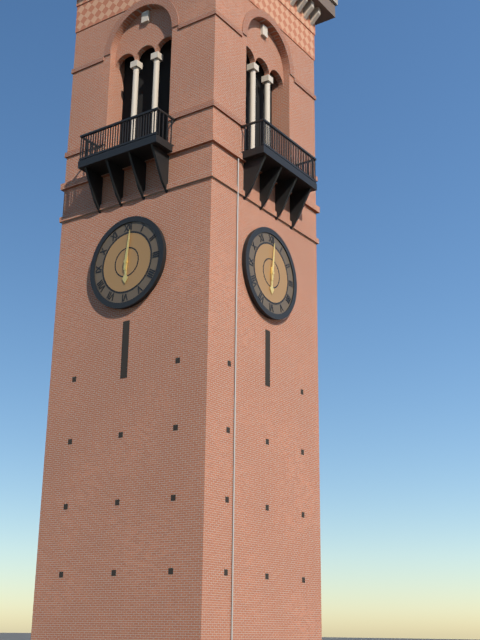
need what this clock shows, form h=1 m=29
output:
h=6 m=1
